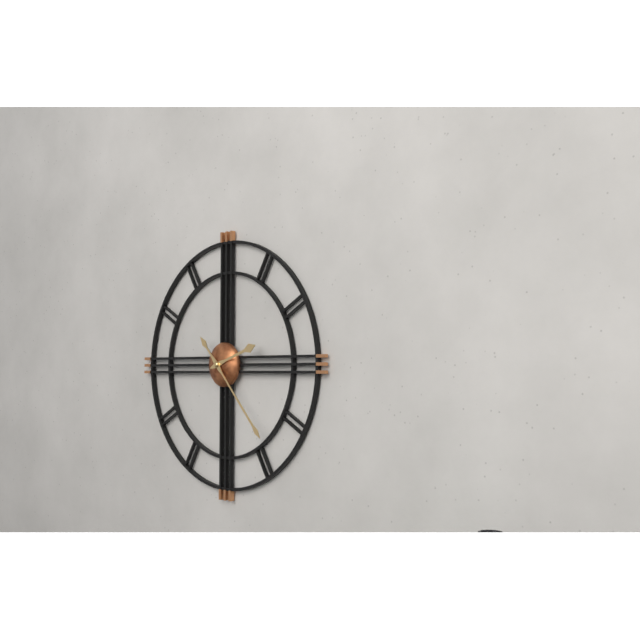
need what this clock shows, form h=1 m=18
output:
h=2 m=23
